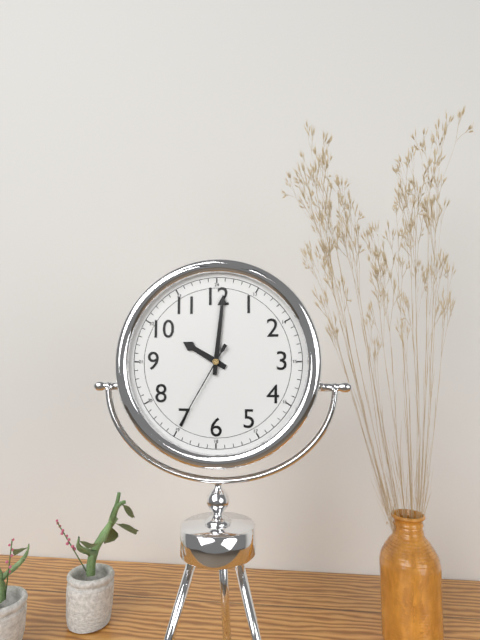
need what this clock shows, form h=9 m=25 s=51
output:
h=10 m=1 s=35
